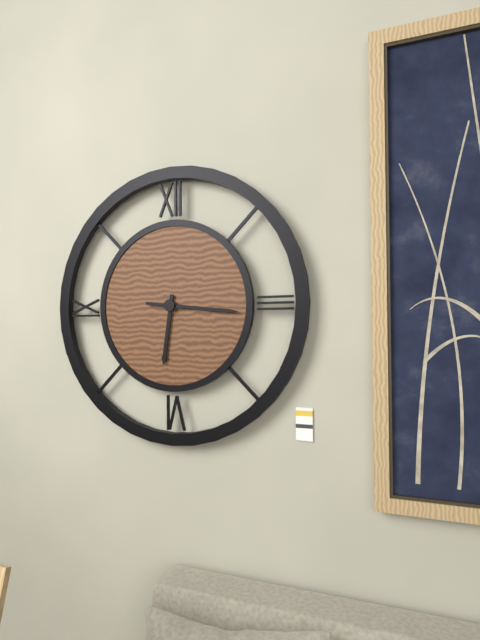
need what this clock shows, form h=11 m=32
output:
h=6 m=16
